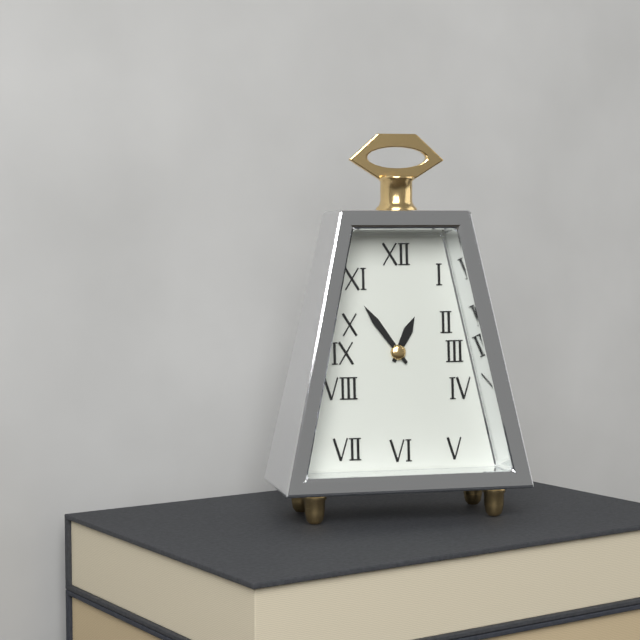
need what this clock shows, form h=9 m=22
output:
h=12 m=54
